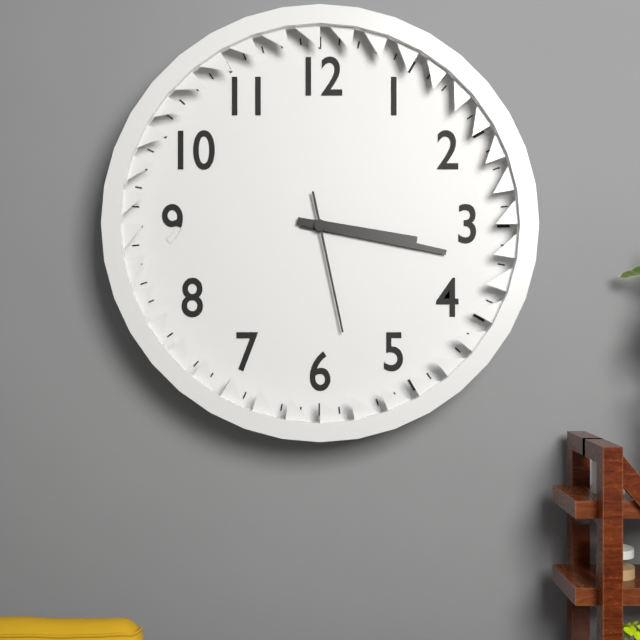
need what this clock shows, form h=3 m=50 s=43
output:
h=3 m=17 s=28
